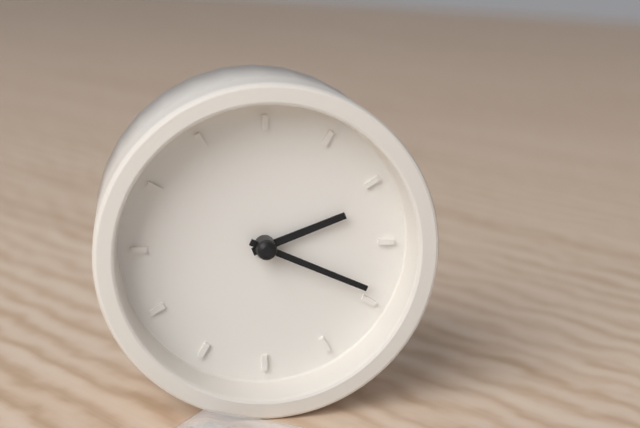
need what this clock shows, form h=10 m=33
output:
h=2 m=19
